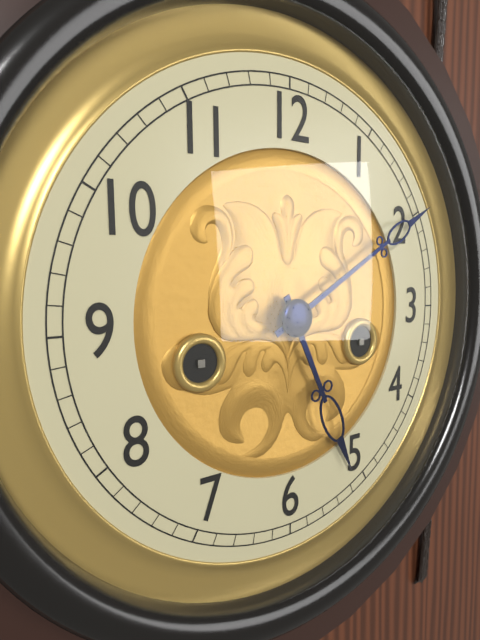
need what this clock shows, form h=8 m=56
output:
h=5 m=10
